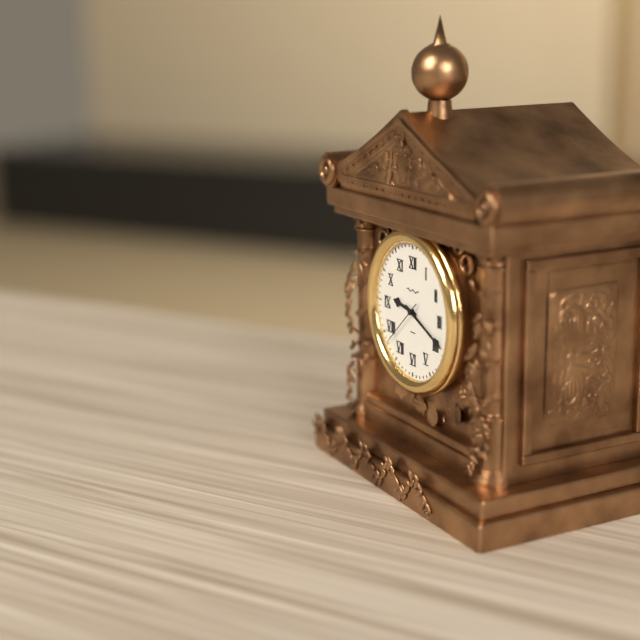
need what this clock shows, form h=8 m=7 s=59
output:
h=9 m=19 s=38
